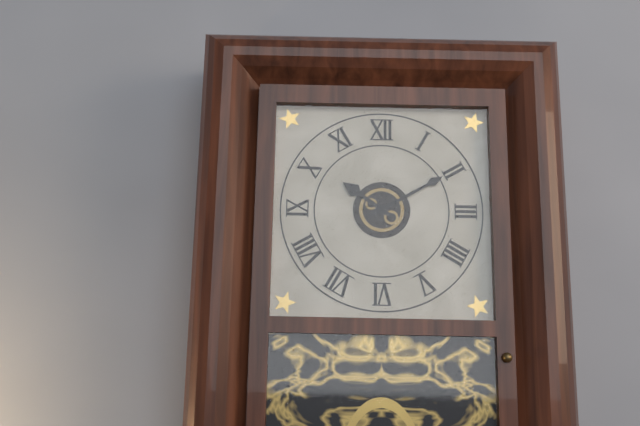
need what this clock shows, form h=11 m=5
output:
h=10 m=10
